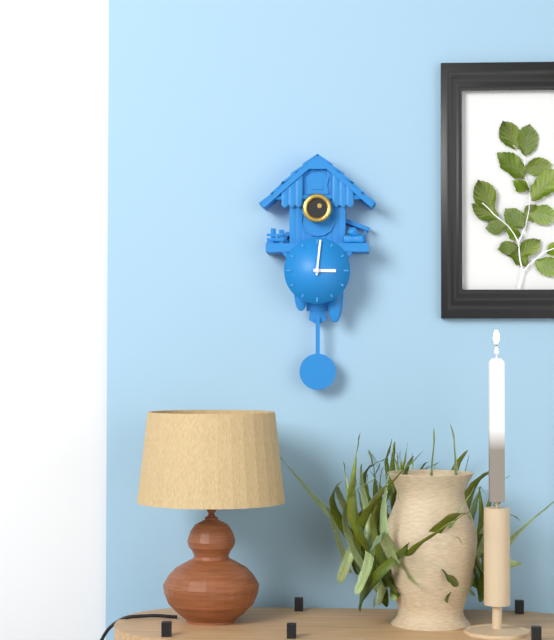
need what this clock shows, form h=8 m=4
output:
h=3 m=1
